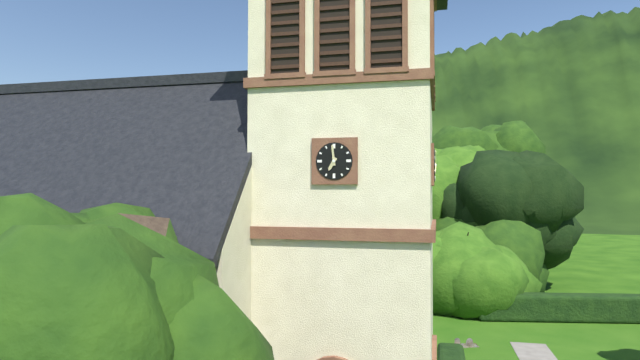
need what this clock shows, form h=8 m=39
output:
h=6 m=59
